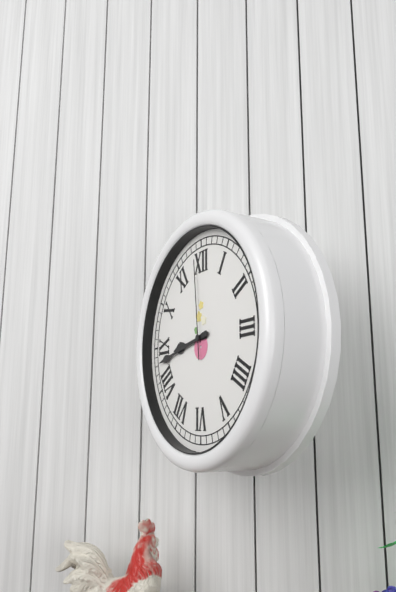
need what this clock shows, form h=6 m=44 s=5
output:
h=8 m=43 s=59
